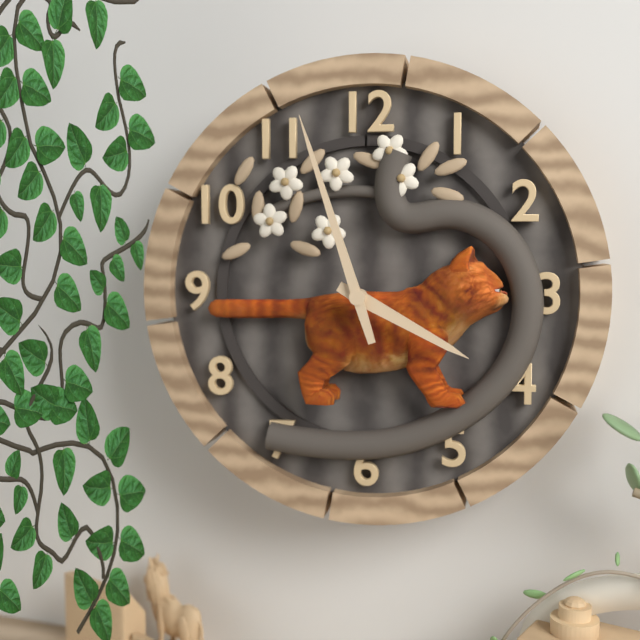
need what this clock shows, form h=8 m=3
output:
h=3 m=57
